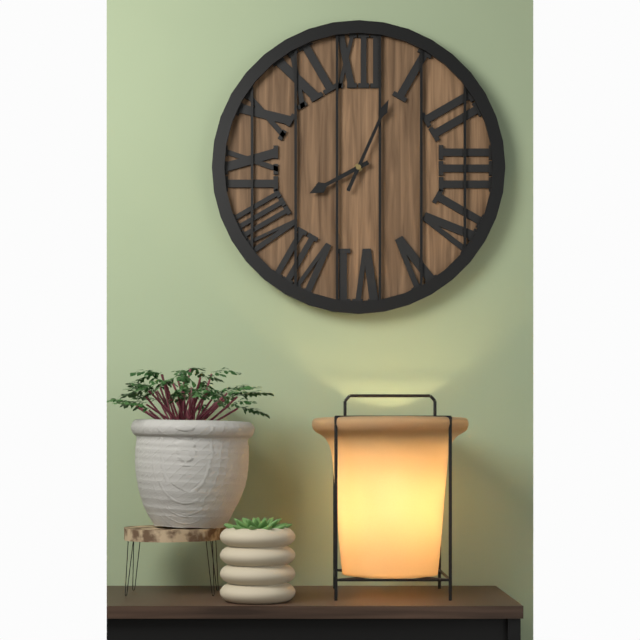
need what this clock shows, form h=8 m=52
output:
h=8 m=4
